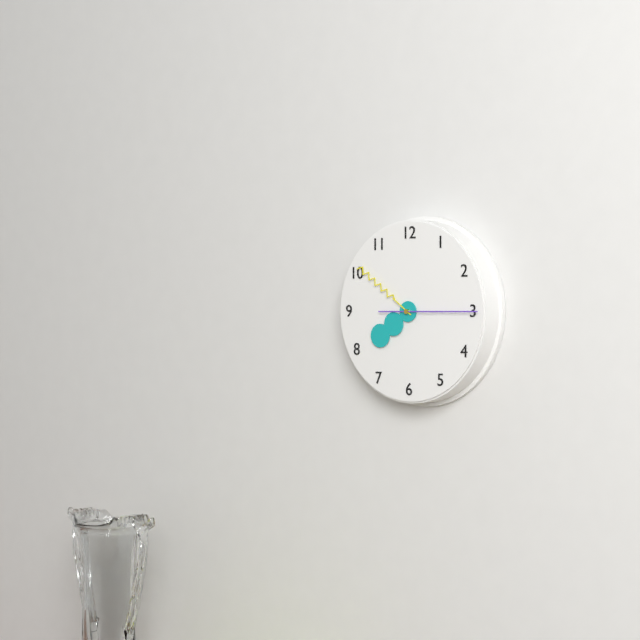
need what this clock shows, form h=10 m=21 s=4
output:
h=7 m=51 s=15
